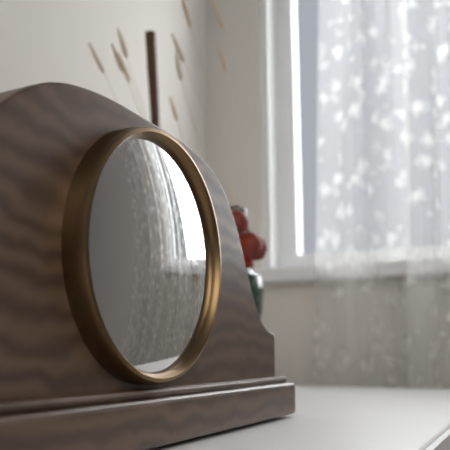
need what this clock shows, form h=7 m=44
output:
h=10 m=30
